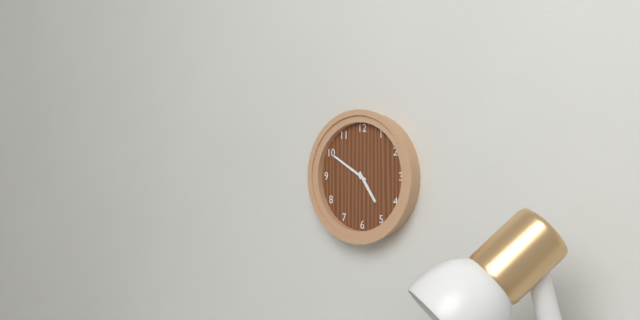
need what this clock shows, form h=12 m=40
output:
h=4 m=50
